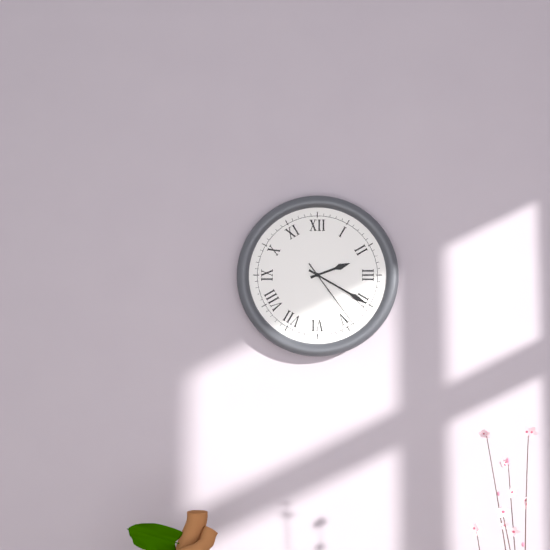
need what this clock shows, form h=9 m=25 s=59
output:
h=2 m=20 s=24
